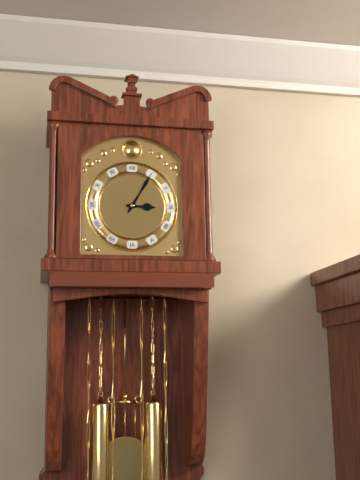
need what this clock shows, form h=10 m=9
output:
h=3 m=5
